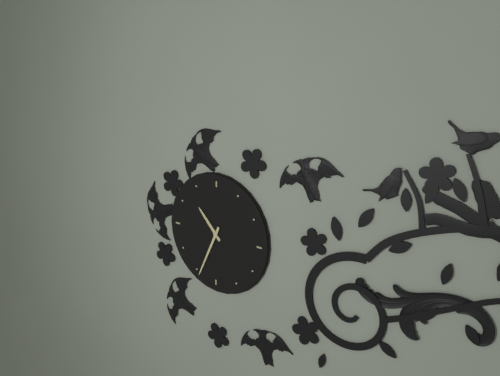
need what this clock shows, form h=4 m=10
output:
h=10 m=34
